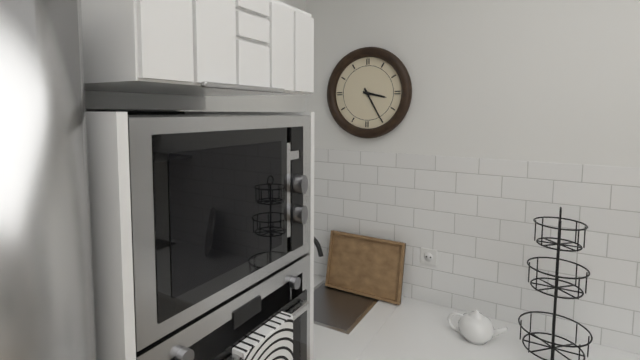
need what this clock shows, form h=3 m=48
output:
h=3 m=25
